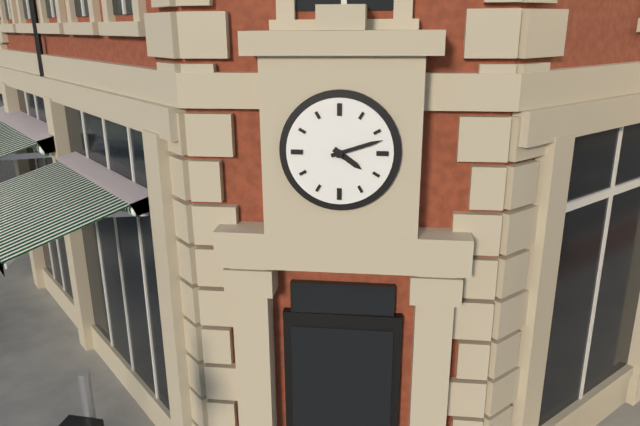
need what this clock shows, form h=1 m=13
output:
h=4 m=12
